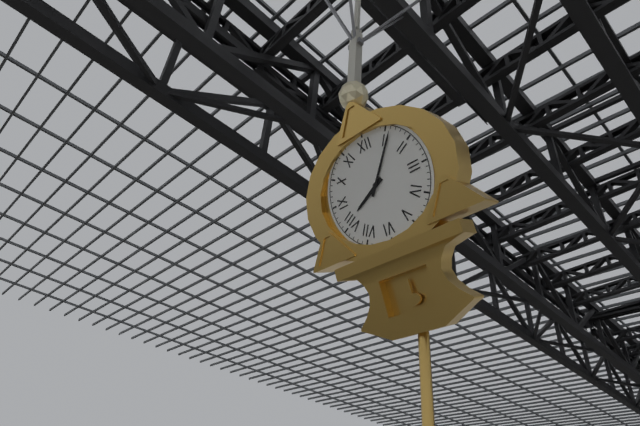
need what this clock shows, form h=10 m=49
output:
h=8 m=6
